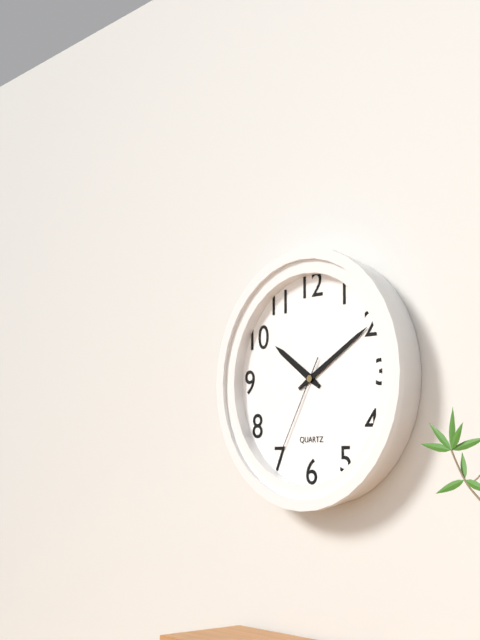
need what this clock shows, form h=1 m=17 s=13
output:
h=10 m=10 s=35
